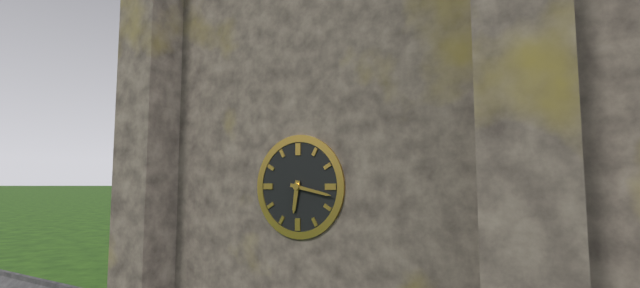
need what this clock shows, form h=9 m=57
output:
h=6 m=17
